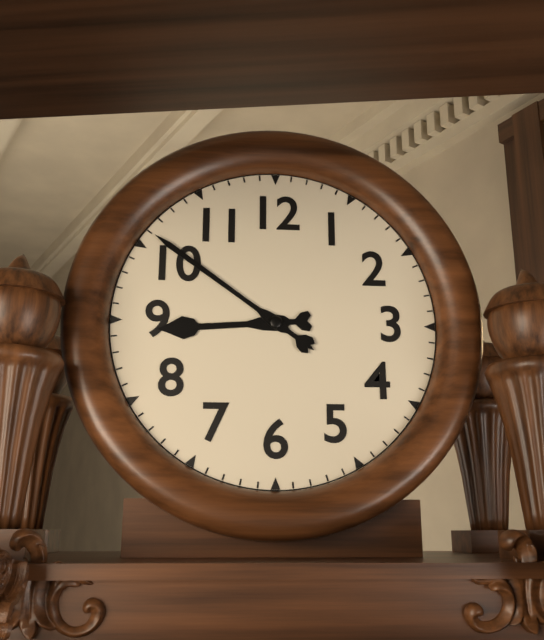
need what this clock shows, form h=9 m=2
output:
h=8 m=51
